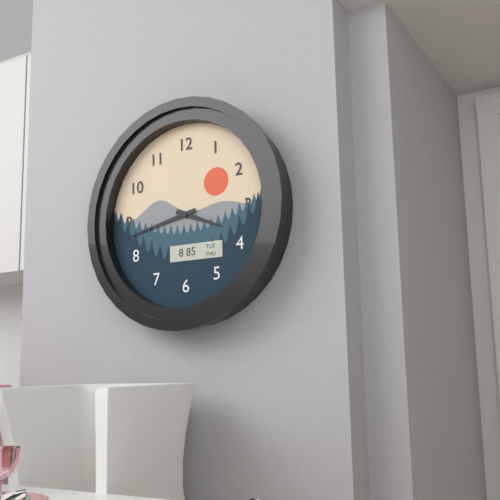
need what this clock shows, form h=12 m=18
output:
h=3 m=43
